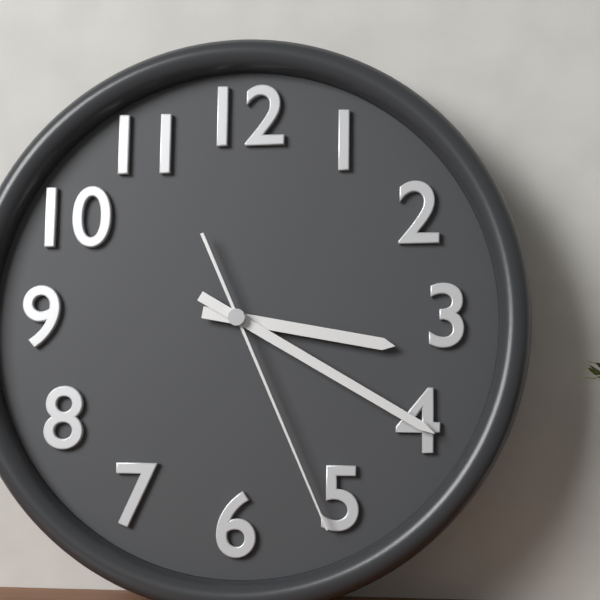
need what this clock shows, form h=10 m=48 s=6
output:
h=3 m=20 s=26
